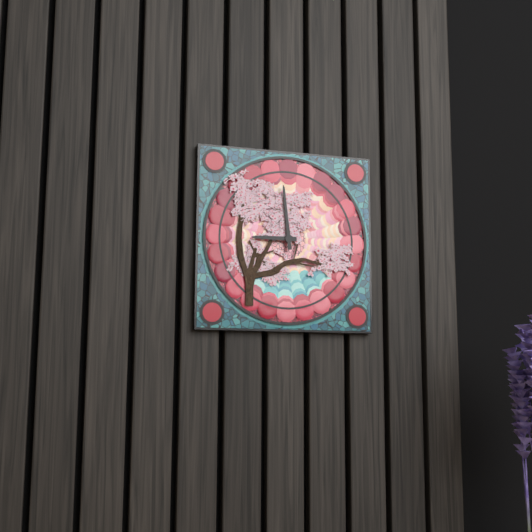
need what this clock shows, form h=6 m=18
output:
h=8 m=59
